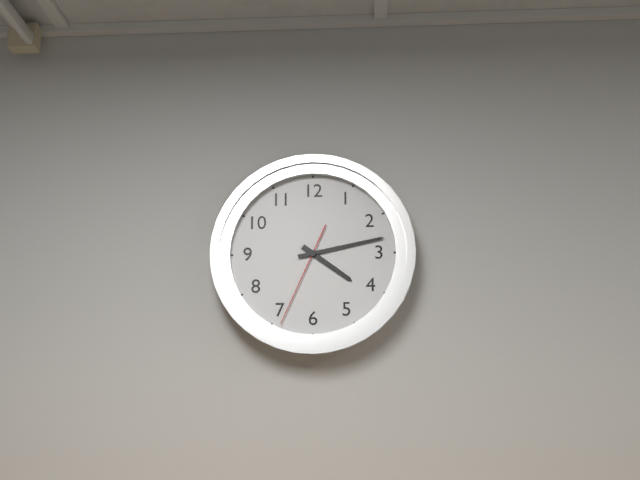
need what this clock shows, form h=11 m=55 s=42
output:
h=4 m=13 s=34
